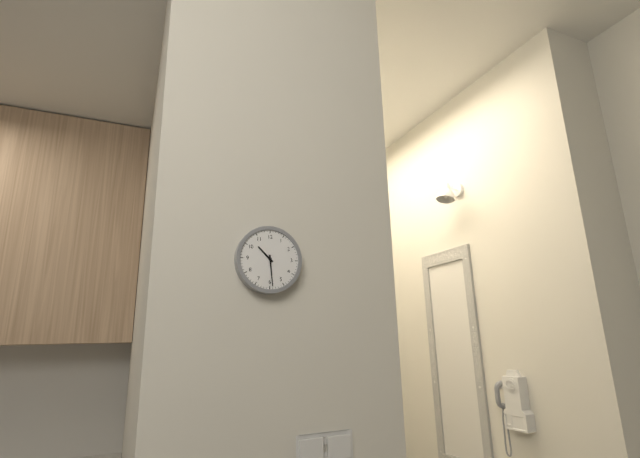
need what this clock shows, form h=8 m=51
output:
h=10 m=29
